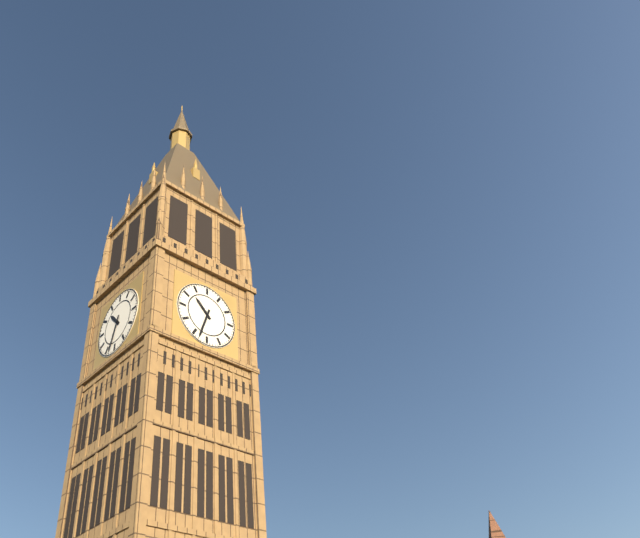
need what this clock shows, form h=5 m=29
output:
h=10 m=33
